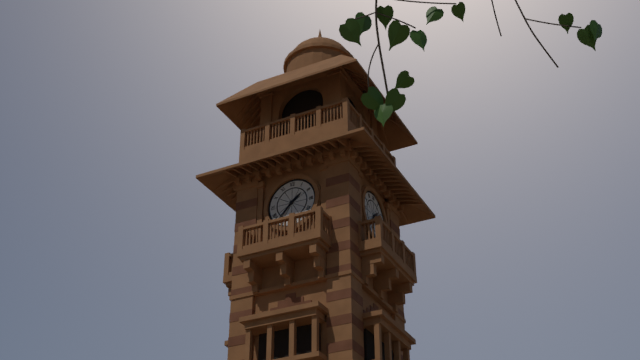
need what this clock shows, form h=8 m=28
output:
h=1 m=37
